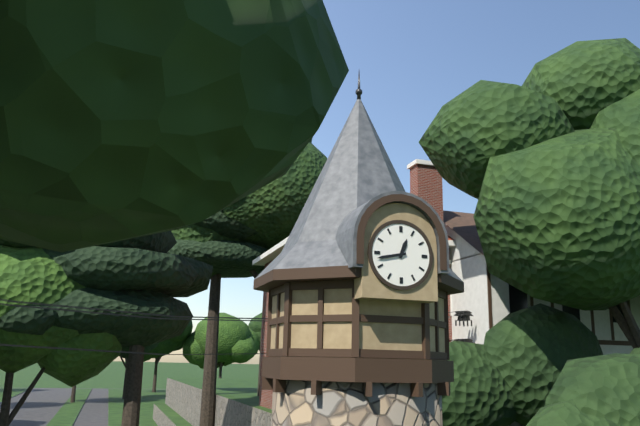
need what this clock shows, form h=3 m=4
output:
h=12 m=43
